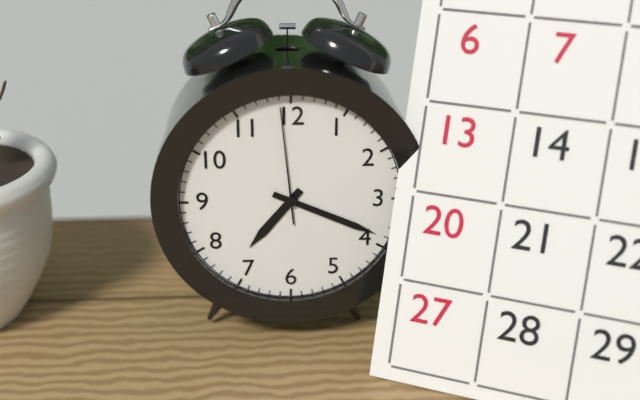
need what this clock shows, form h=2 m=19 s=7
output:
h=7 m=19 s=59
